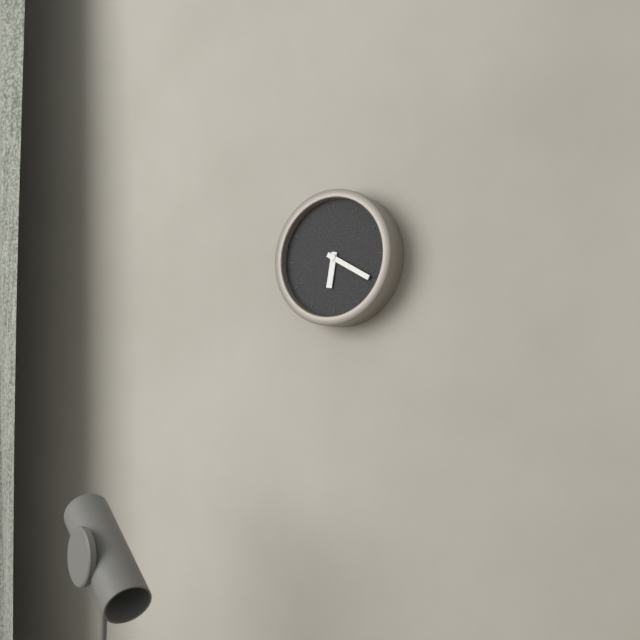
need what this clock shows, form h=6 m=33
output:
h=6 m=20
